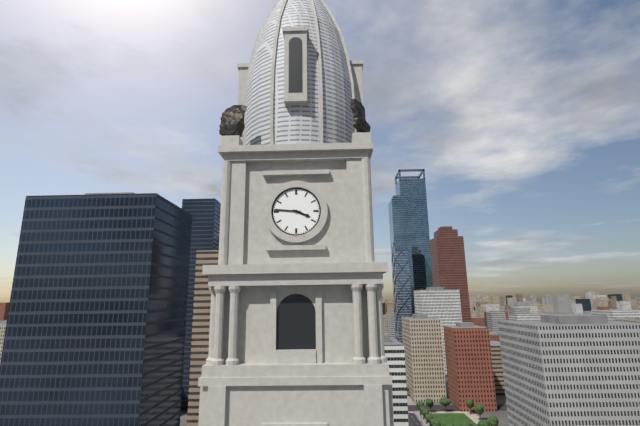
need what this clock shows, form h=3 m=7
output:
h=3 m=46
